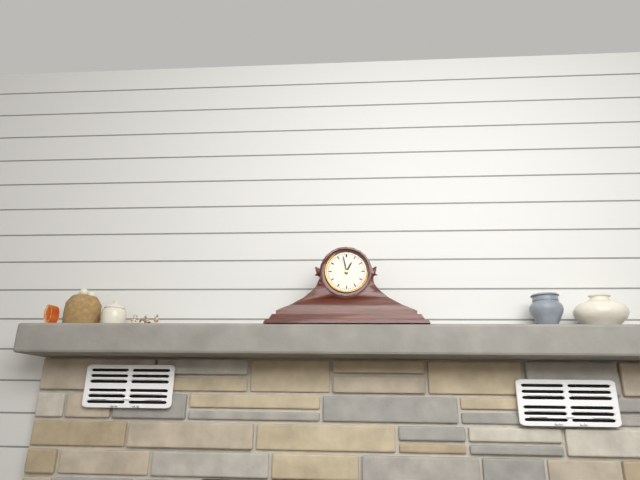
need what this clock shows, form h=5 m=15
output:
h=12 m=58
